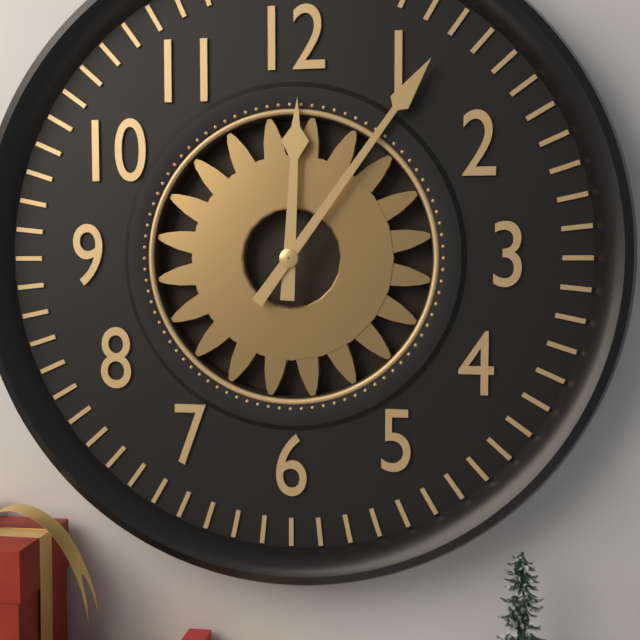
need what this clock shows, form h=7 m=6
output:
h=12 m=6
